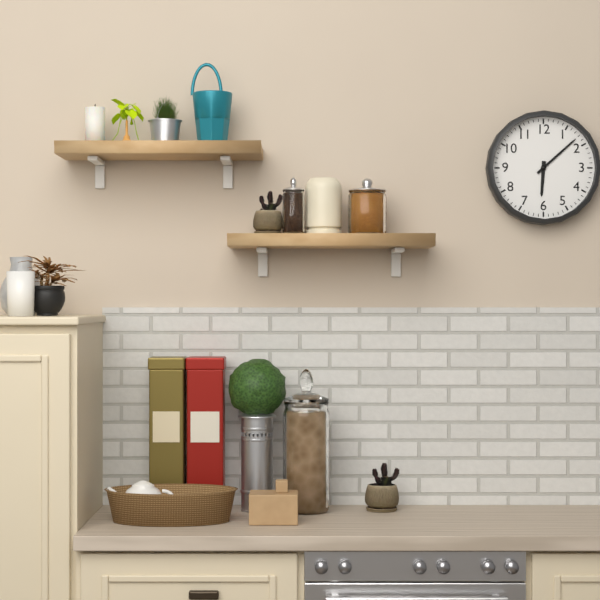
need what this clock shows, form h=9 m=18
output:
h=6 m=8
